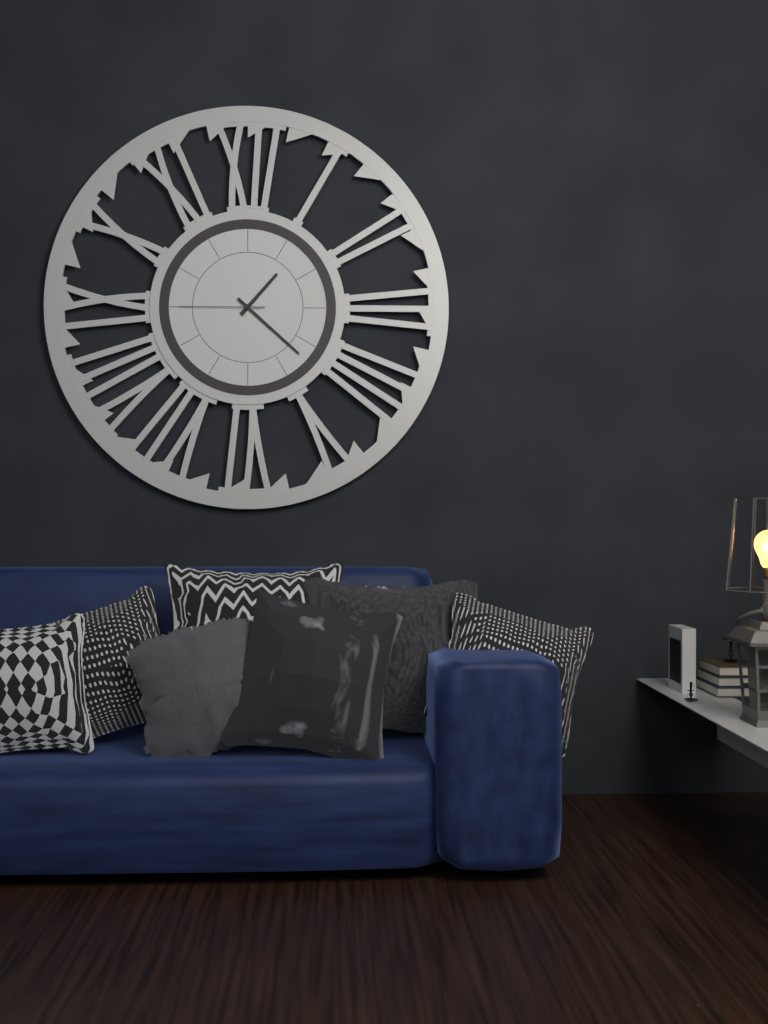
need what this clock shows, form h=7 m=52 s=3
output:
h=1 m=22 s=45
